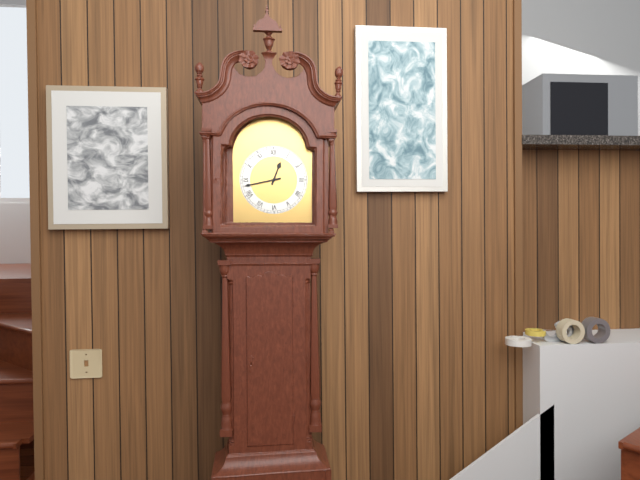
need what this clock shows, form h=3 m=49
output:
h=12 m=43
